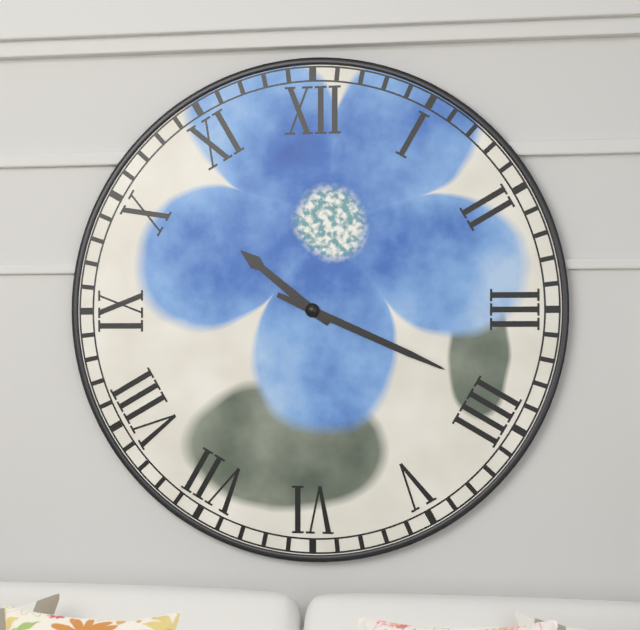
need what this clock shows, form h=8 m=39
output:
h=10 m=19
